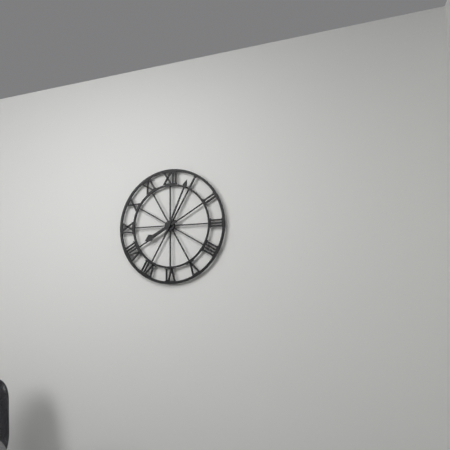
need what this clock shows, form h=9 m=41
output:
h=8 m=4
